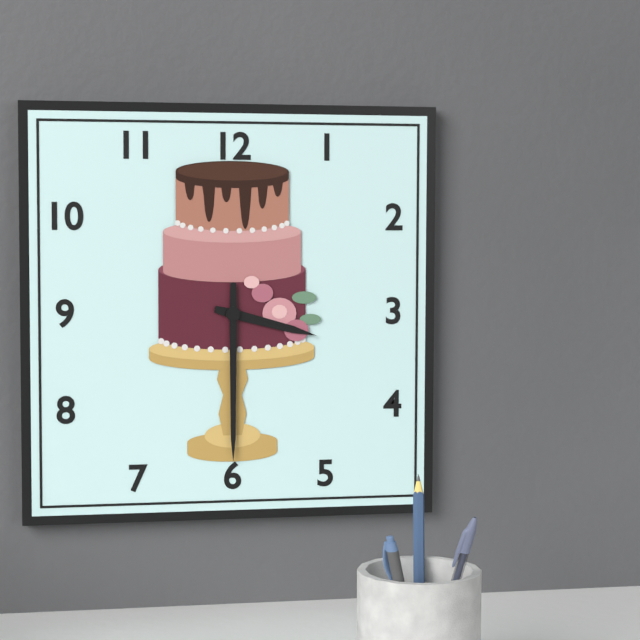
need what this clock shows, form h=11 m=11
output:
h=3 m=30
